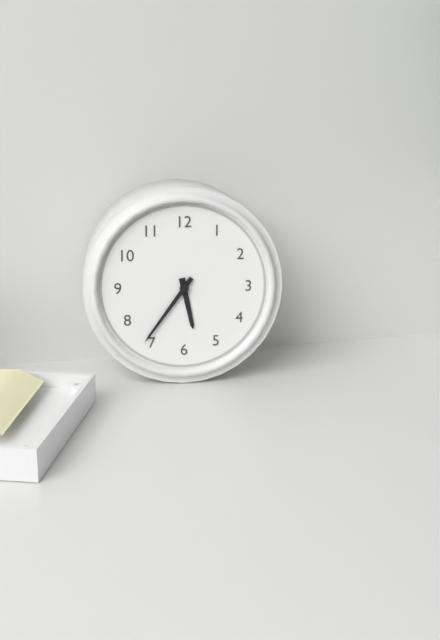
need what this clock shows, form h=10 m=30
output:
h=5 m=36
